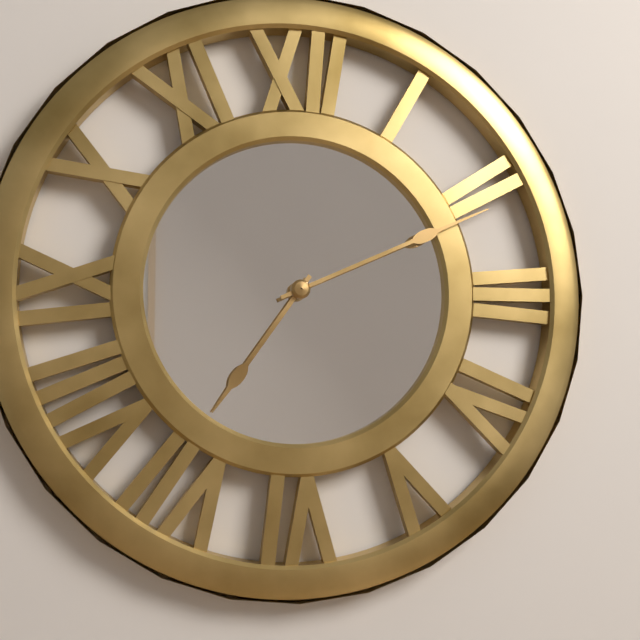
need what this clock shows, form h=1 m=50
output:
h=7 m=11
